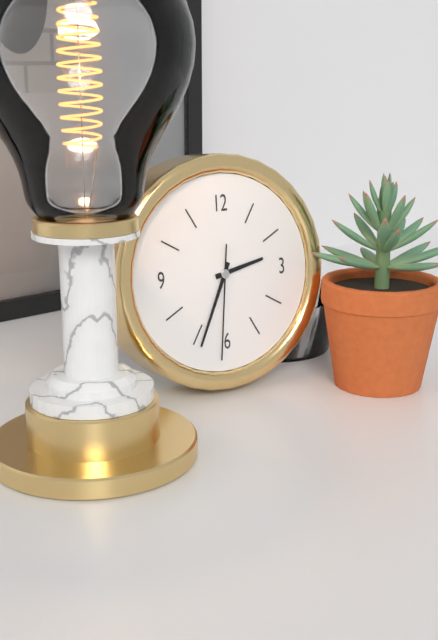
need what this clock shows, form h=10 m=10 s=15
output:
h=2 m=34 s=31
